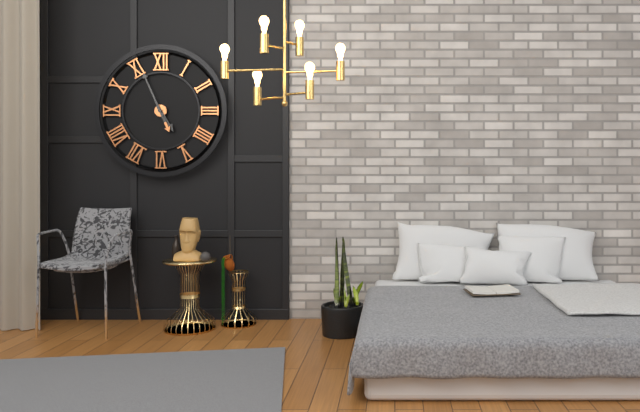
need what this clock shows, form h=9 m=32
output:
h=4 m=56
